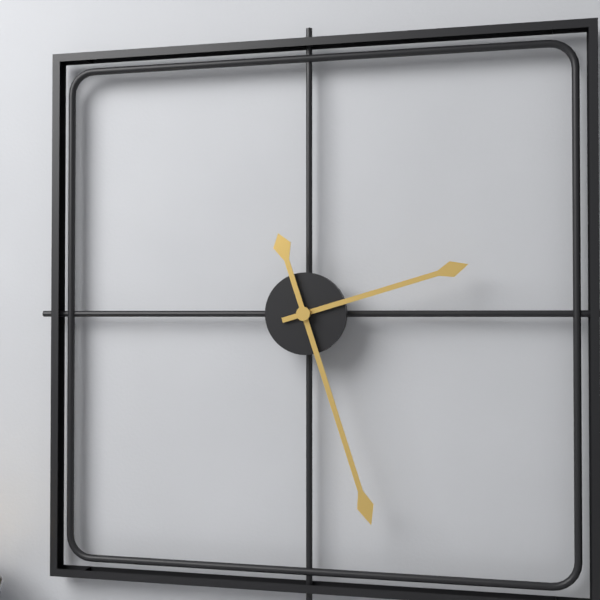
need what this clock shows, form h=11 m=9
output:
h=2 m=27
